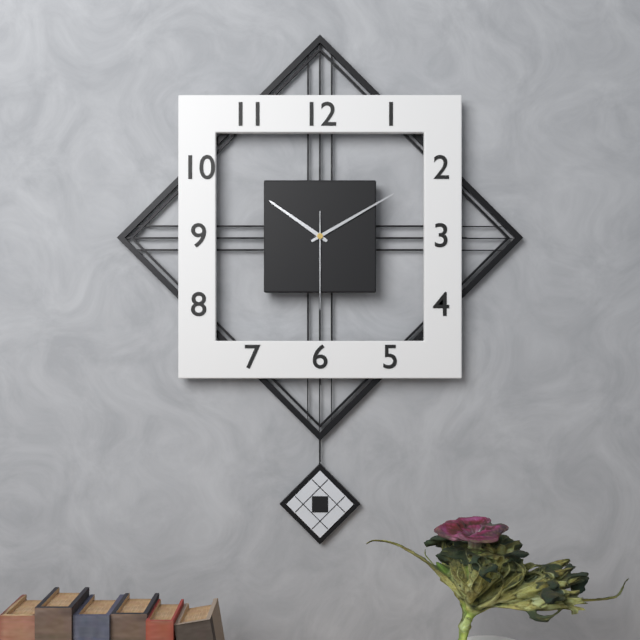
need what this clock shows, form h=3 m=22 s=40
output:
h=10 m=10 s=30
